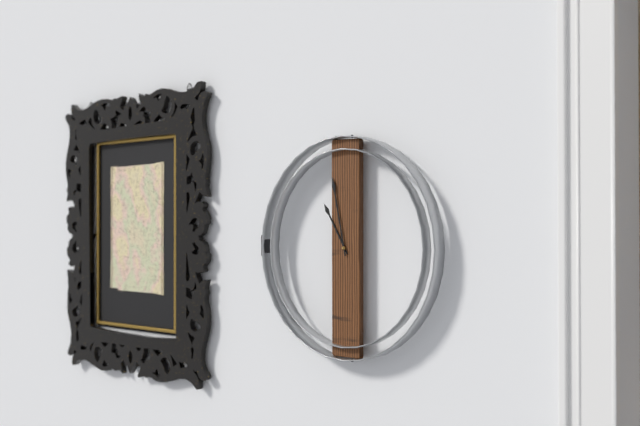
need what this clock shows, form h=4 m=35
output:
h=10 m=58
